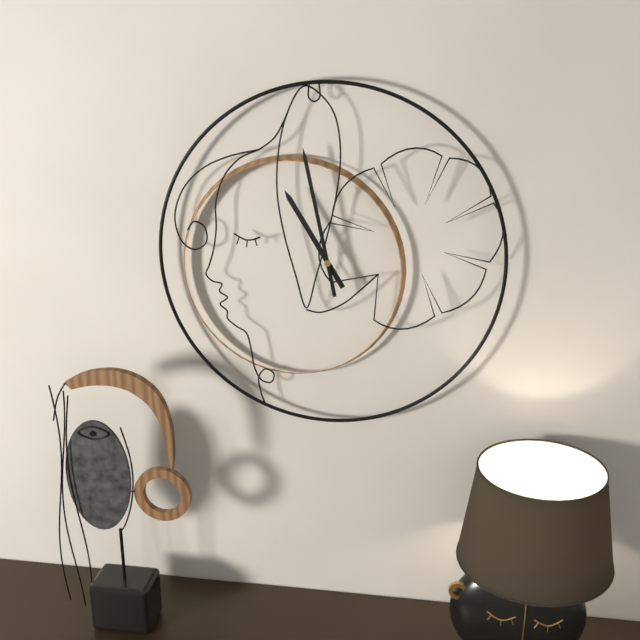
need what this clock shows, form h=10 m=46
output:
h=10 m=58
